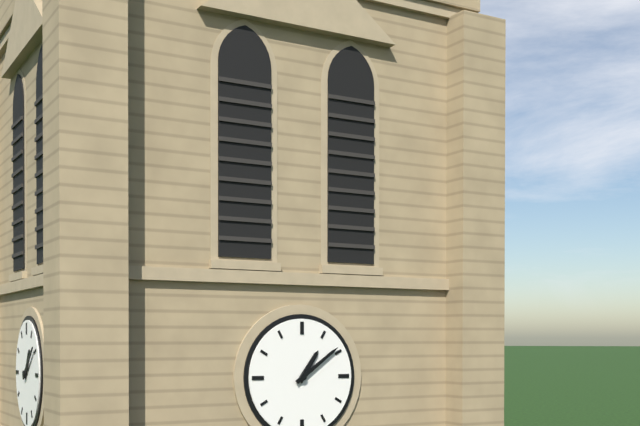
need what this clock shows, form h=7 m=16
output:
h=1 m=9
